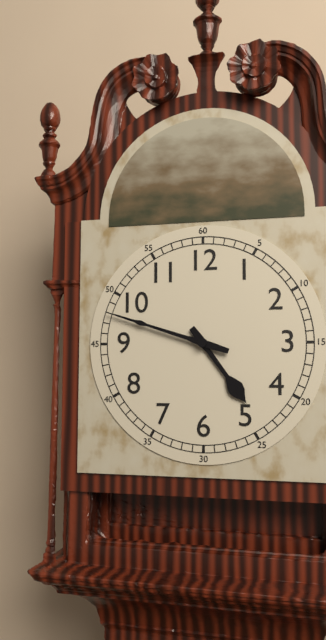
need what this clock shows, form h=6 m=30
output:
h=4 m=48
